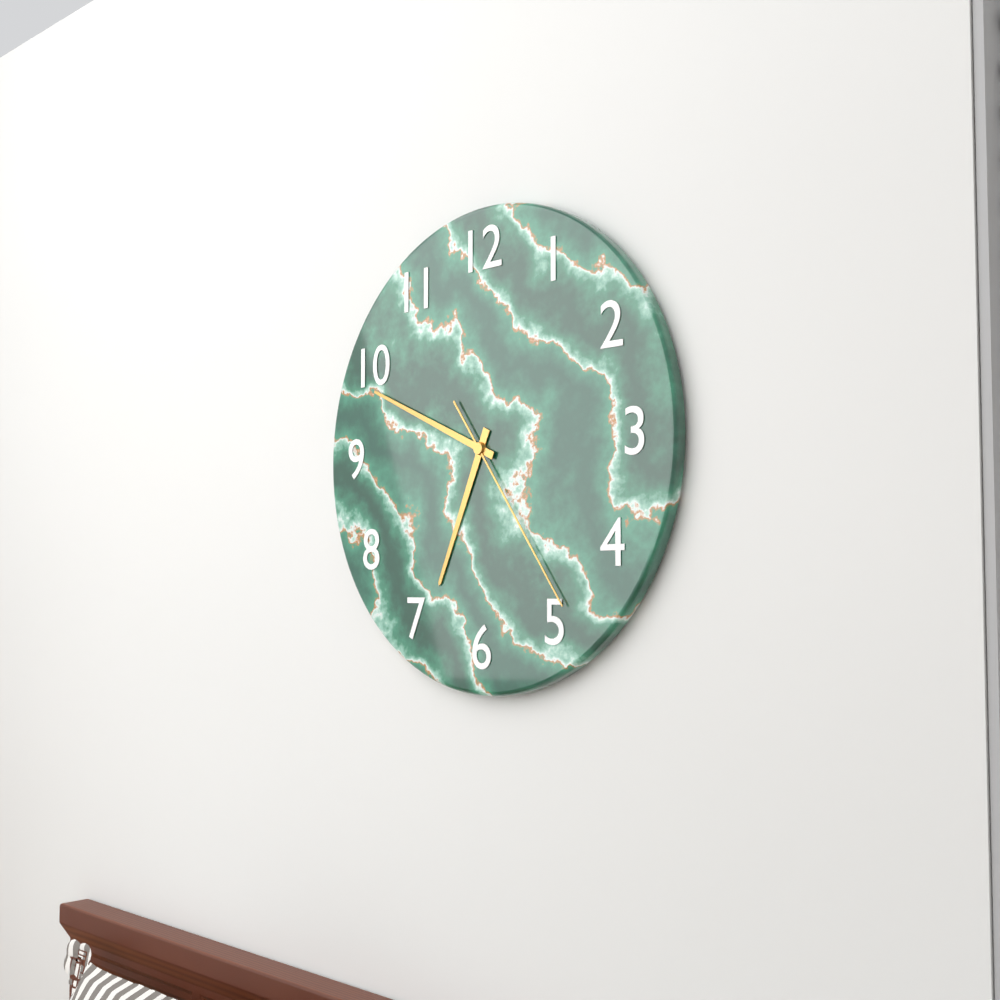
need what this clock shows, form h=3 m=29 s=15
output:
h=6 m=49 s=24
